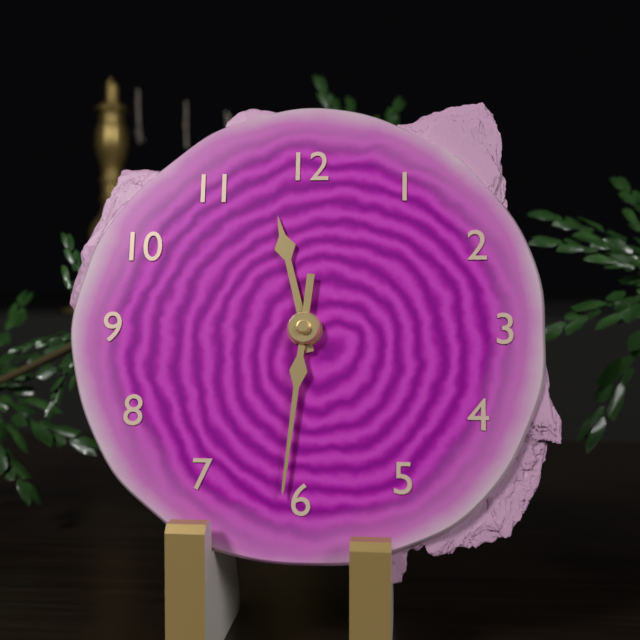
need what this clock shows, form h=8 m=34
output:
h=11 m=31
